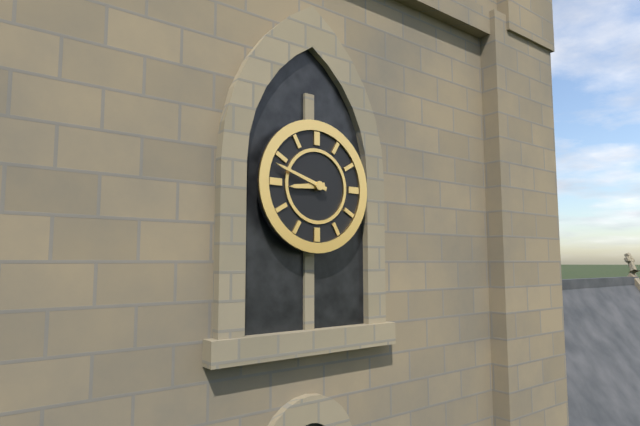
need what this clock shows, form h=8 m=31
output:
h=8 m=48
